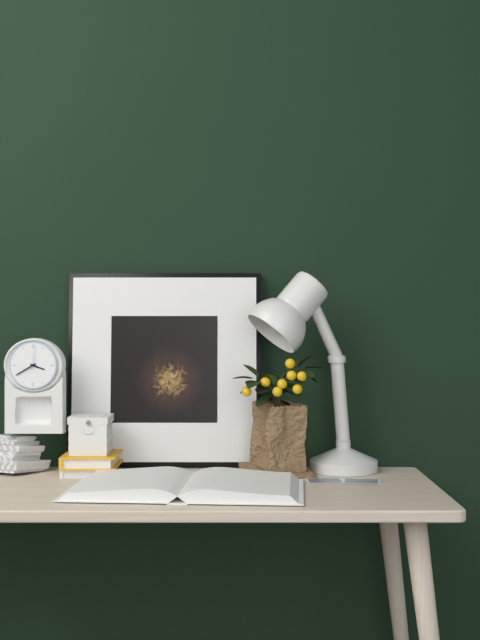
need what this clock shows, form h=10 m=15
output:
h=3 m=40
